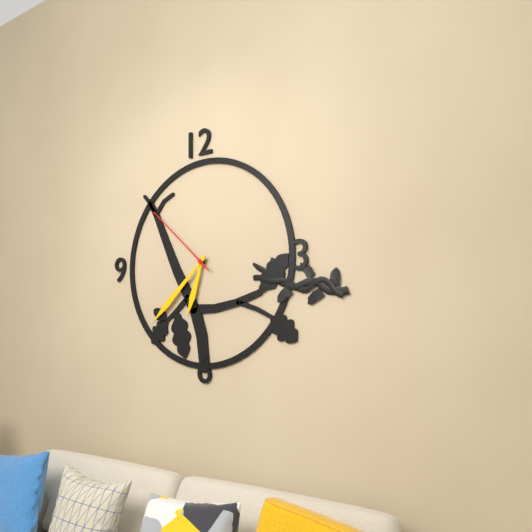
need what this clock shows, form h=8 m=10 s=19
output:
h=6 m=38 s=52
